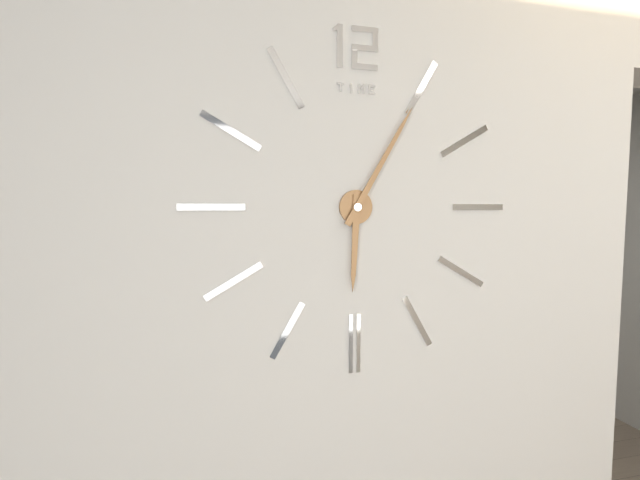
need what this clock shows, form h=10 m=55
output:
h=6 m=5
